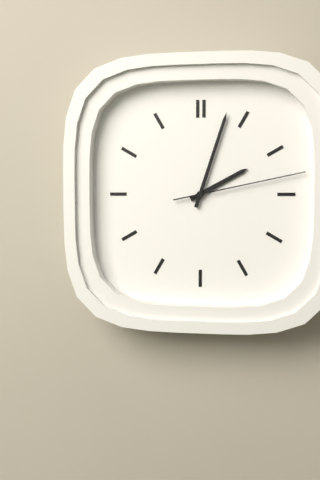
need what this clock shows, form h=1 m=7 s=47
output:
h=2 m=3 s=13
